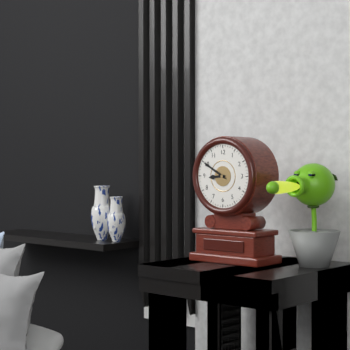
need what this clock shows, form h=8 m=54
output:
h=8 m=50
